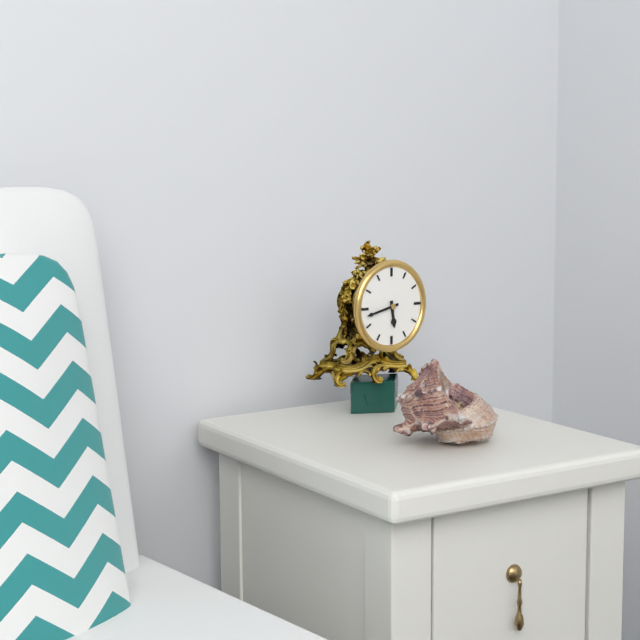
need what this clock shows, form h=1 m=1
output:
h=5 m=43
